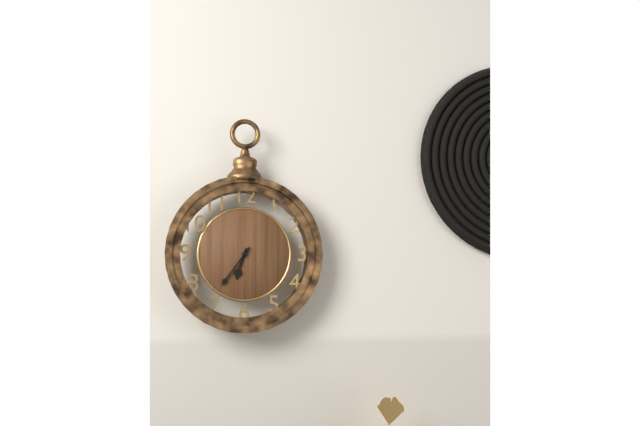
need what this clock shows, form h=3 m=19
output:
h=6 m=36
